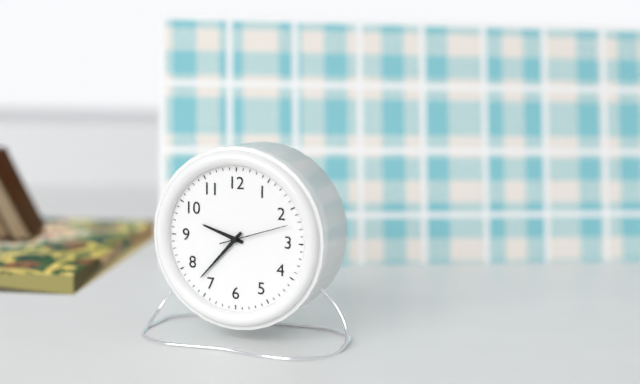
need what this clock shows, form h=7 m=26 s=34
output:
h=9 m=37 s=12
